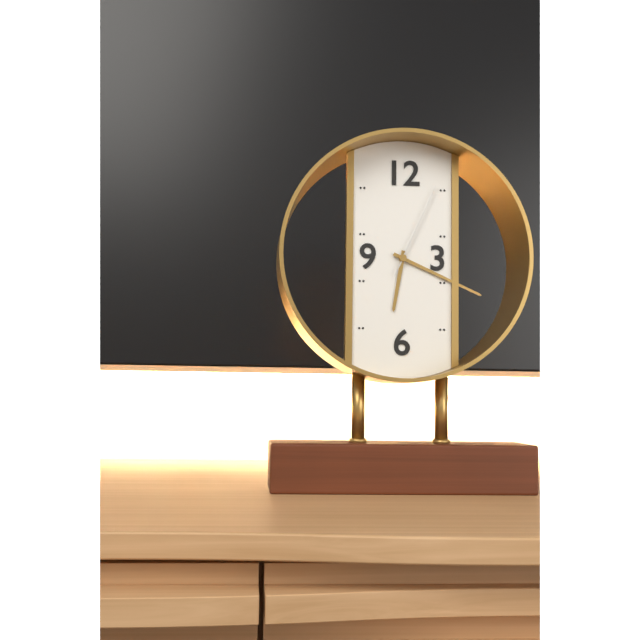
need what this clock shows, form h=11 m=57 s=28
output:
h=6 m=19 s=4
